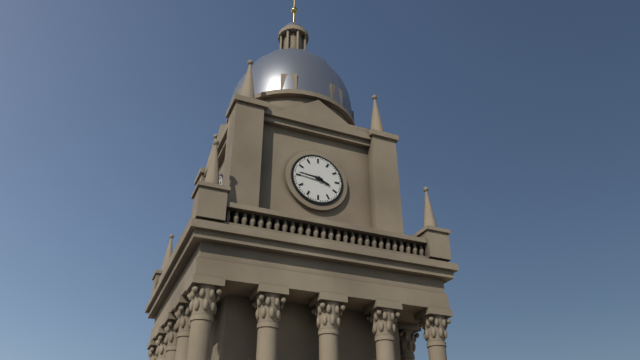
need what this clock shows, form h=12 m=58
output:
h=3 m=46
